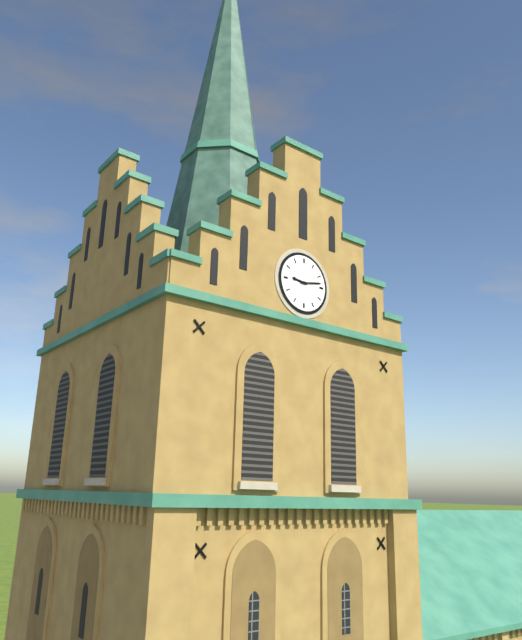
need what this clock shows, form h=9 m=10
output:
h=9 m=13
